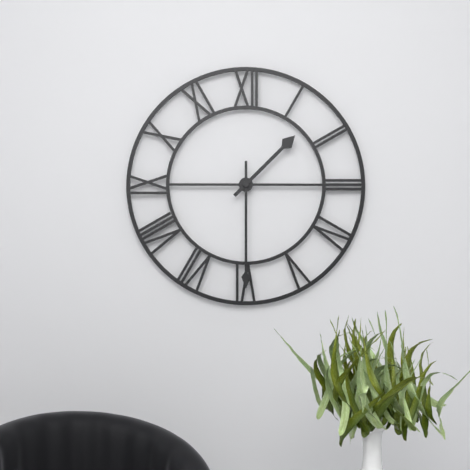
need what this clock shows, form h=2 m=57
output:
h=1 m=30
